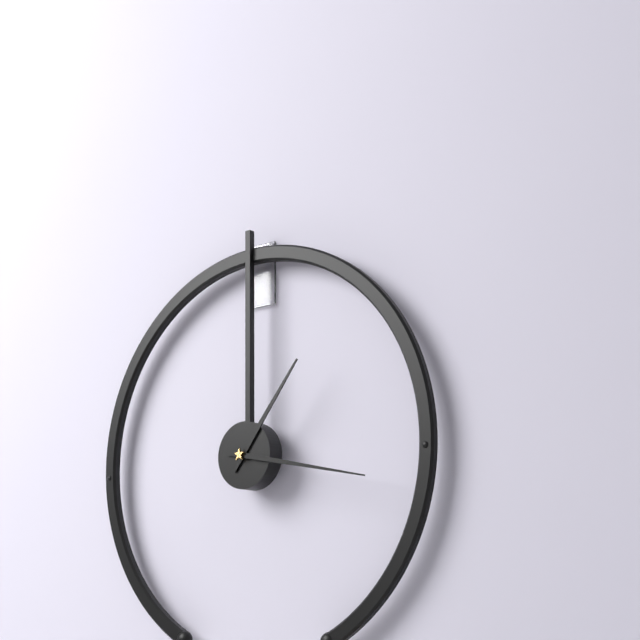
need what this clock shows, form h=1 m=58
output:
h=1 m=17
